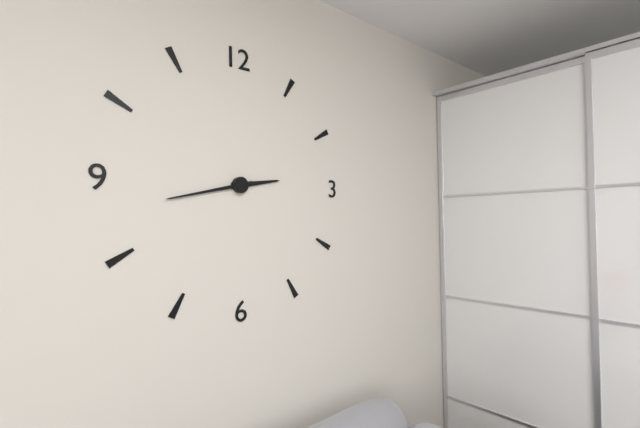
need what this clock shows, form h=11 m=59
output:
h=2 m=43
